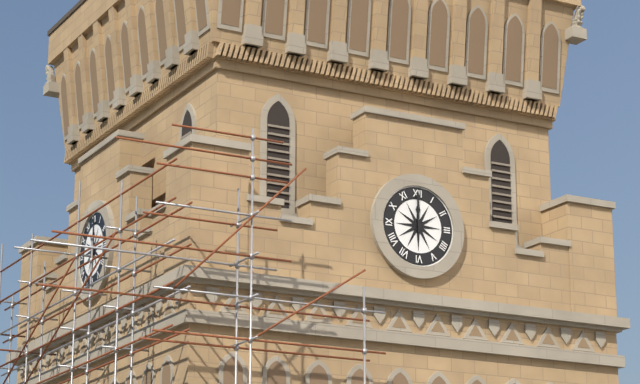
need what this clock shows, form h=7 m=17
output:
h=12 m=0
